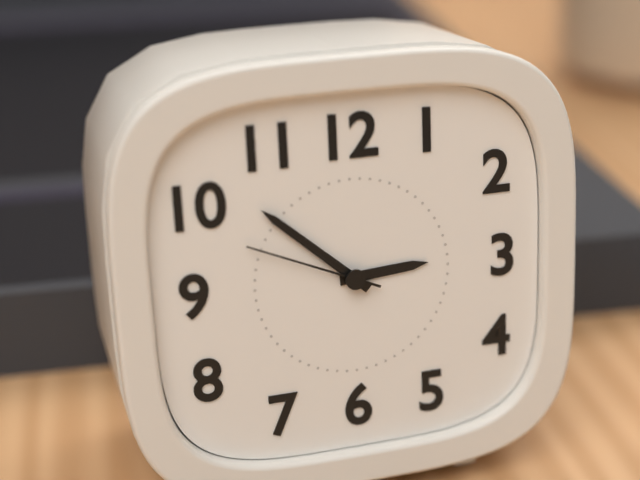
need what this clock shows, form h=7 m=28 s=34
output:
h=2 m=52 s=49
